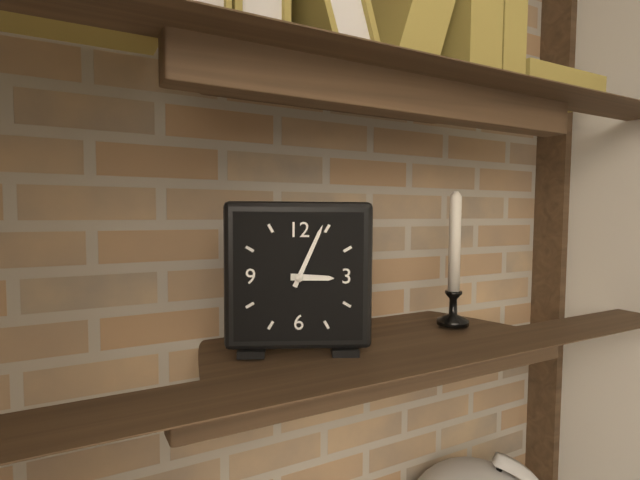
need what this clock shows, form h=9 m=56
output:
h=3 m=4
